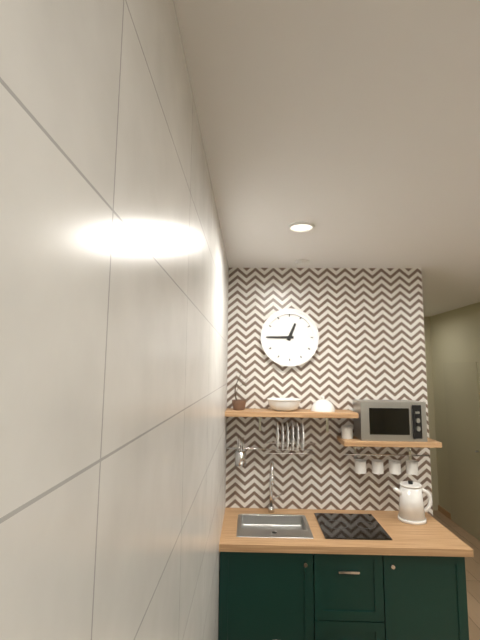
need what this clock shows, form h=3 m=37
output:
h=12 m=45
